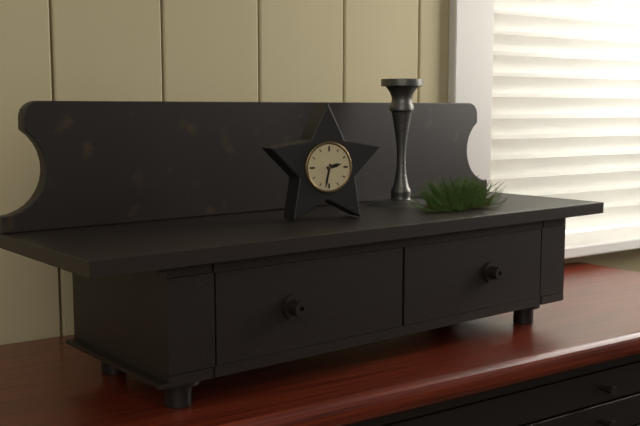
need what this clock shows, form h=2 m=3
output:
h=2 m=32
